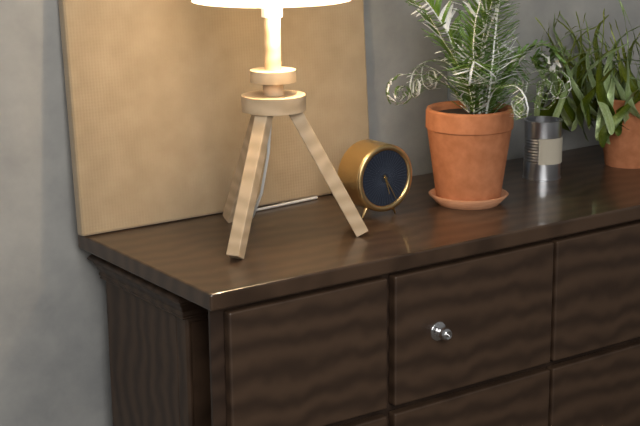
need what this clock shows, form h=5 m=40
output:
h=5 m=25
